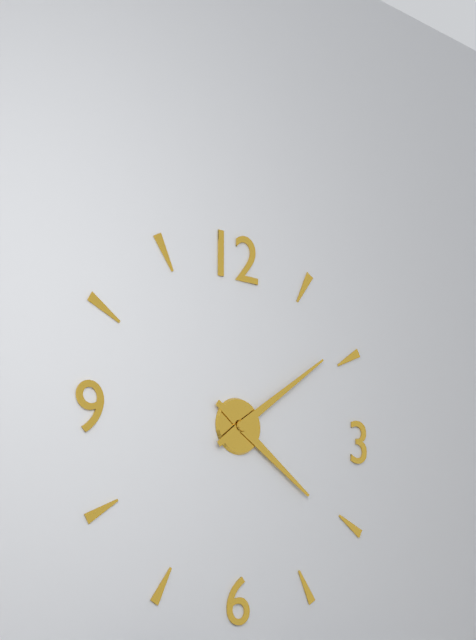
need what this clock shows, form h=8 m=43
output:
h=4 m=9
